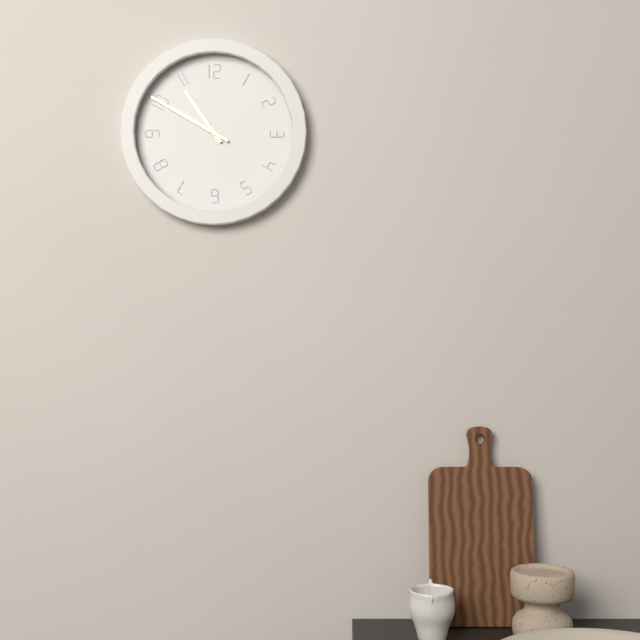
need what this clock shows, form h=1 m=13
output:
h=10 m=50
